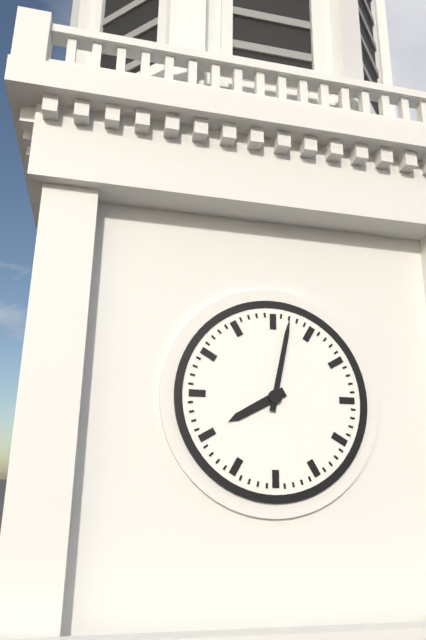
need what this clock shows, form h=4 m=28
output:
h=8 m=2
